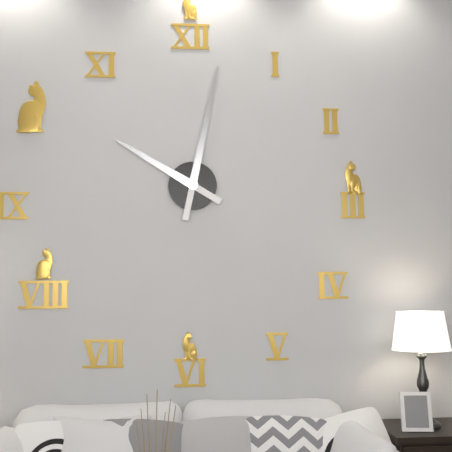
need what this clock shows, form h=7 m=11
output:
h=10 m=2
